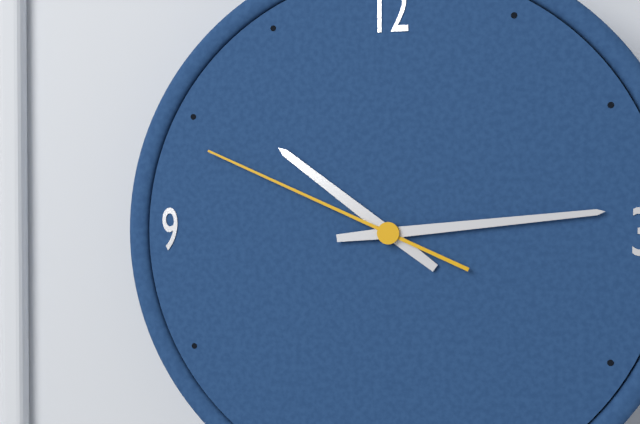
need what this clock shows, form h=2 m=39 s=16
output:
h=10 m=14 s=49
